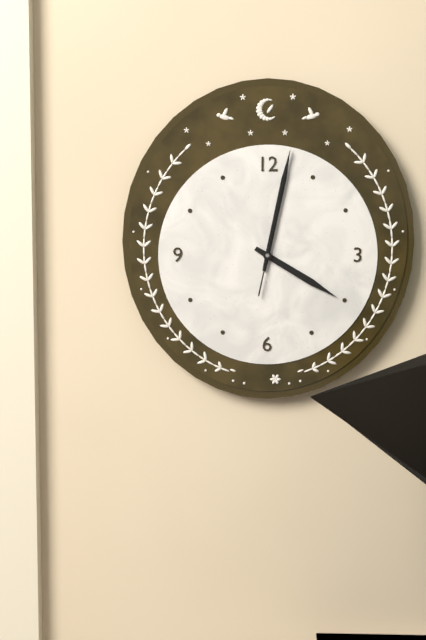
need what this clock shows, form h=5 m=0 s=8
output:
h=4 m=2 s=2
